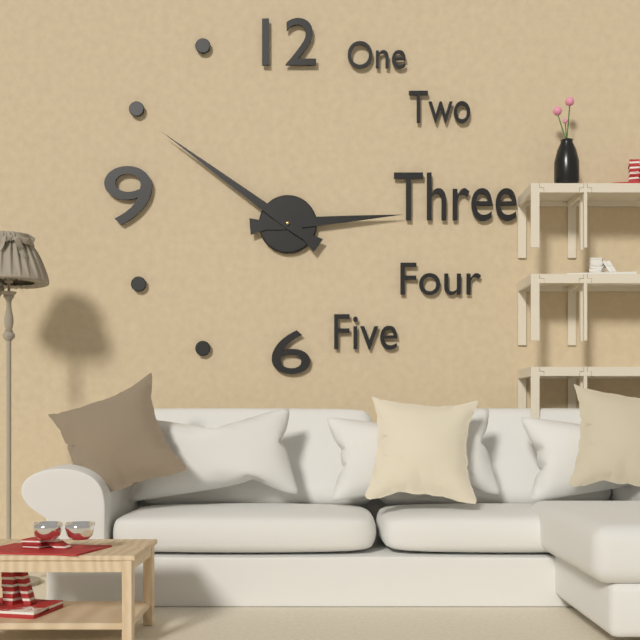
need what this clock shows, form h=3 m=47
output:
h=2 m=51
